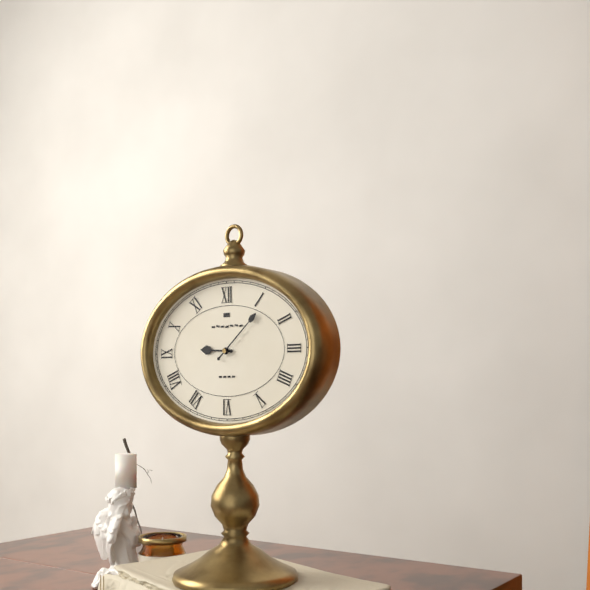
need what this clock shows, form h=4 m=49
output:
h=9 m=8
